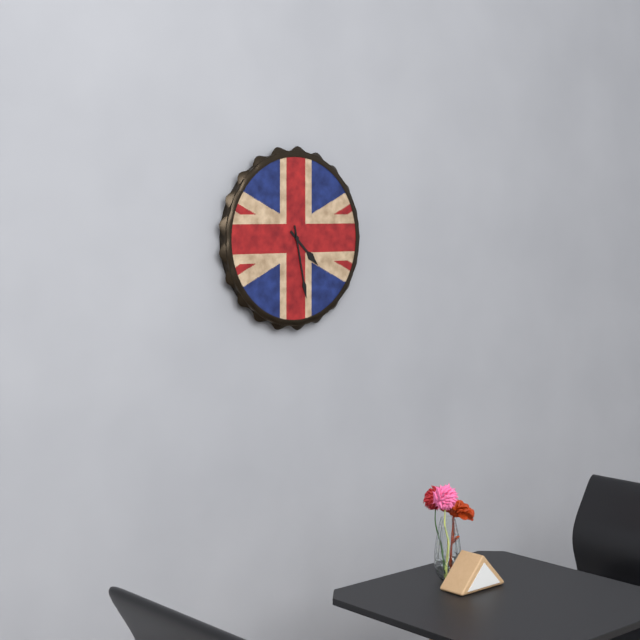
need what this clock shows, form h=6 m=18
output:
h=4 m=28
